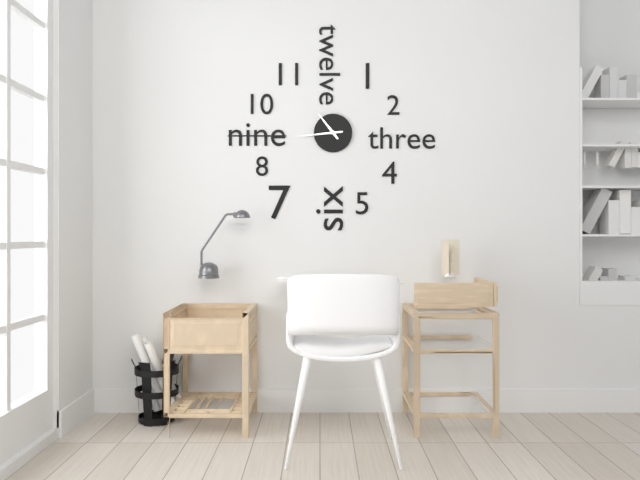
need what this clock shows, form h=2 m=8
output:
h=10 m=44
